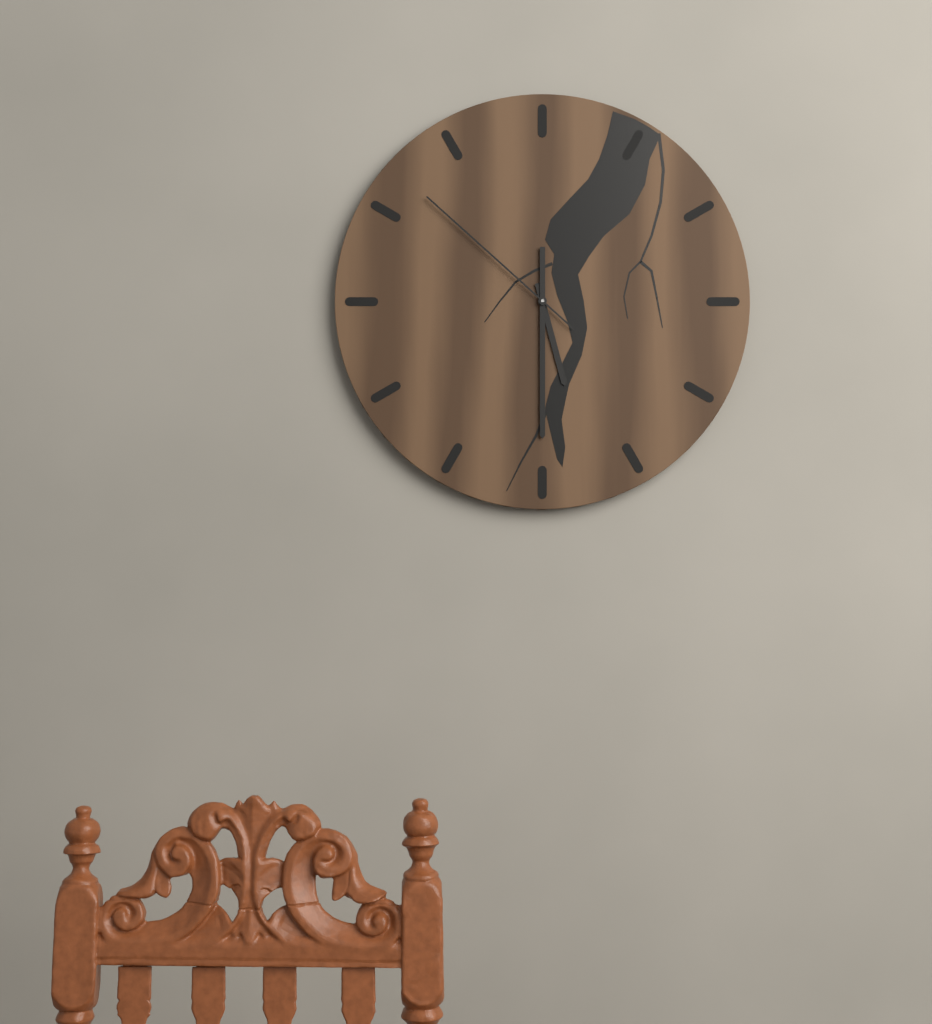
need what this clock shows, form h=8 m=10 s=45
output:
h=5 m=30 s=52
